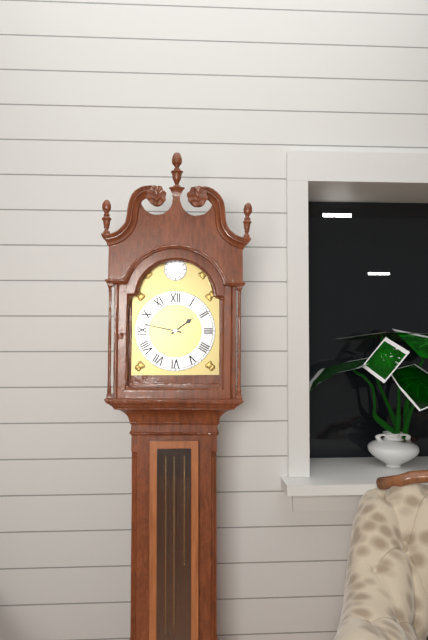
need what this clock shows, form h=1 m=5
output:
h=1 m=47
